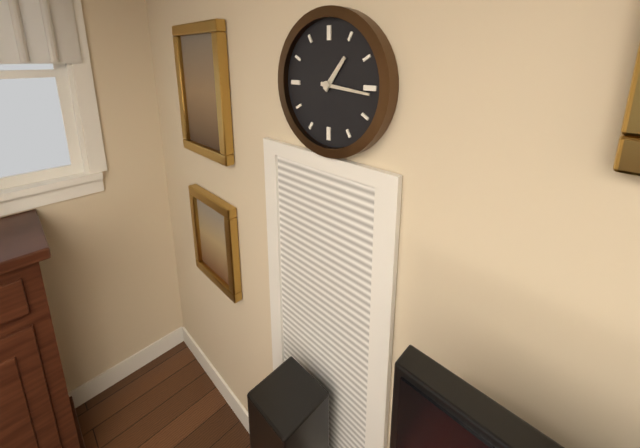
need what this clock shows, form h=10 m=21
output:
h=1 m=16
